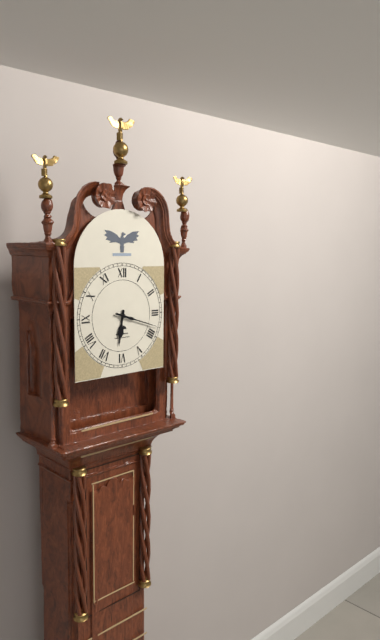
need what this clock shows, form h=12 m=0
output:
h=6 m=18
